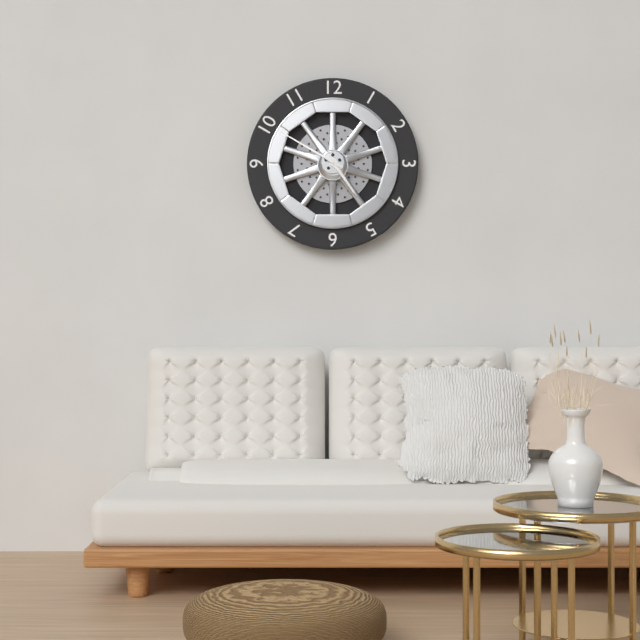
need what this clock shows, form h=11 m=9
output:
h=4 m=50
